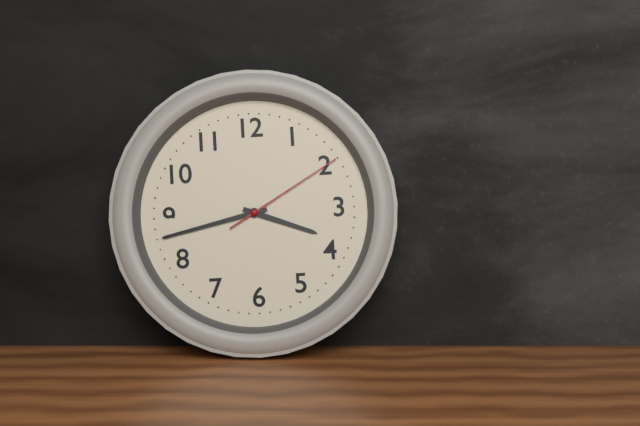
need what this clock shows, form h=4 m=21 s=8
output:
h=3 m=43 s=10
